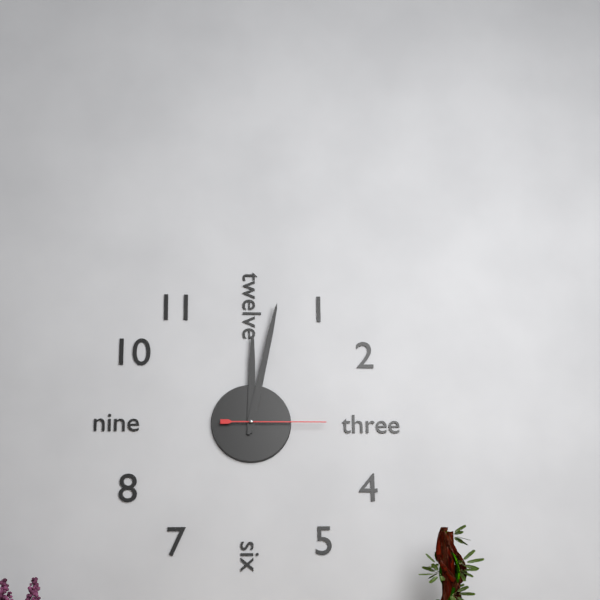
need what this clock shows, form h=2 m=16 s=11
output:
h=12 m=2 s=15
